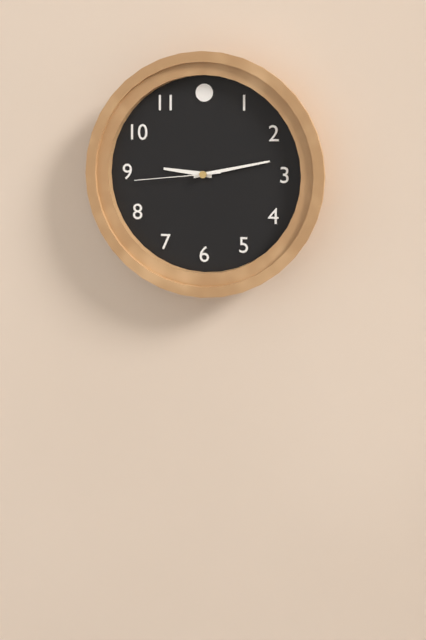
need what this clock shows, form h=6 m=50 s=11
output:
h=9 m=13 s=44
